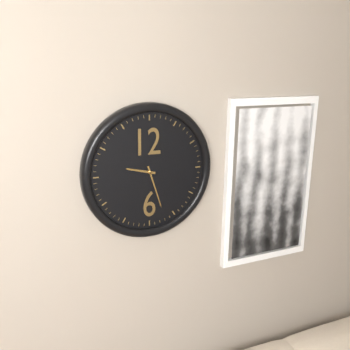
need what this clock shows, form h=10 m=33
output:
h=9 m=27
